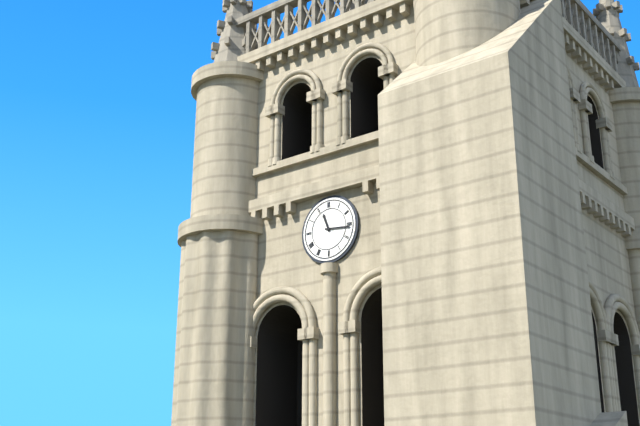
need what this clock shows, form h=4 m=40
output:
h=11 m=16
